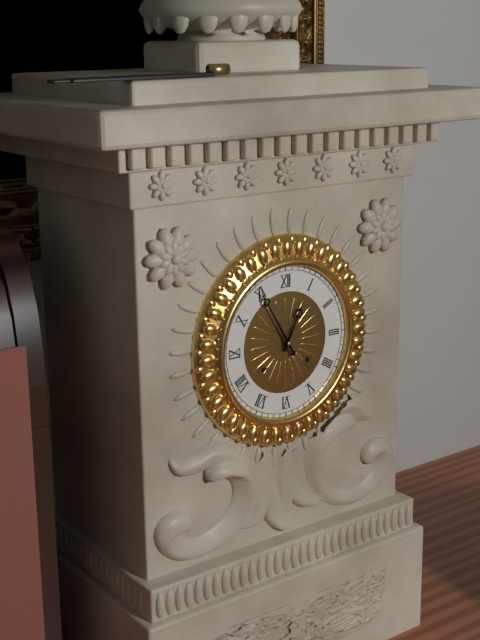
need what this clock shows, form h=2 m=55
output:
h=12 m=55
